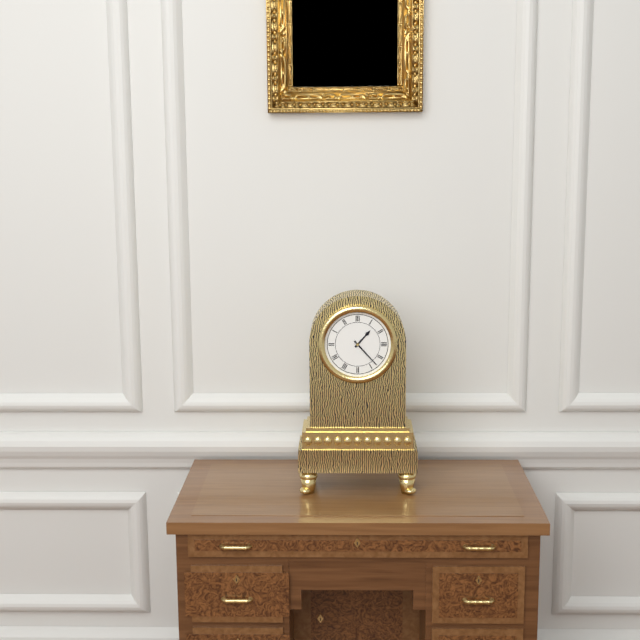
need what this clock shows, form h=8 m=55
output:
h=1 m=23
